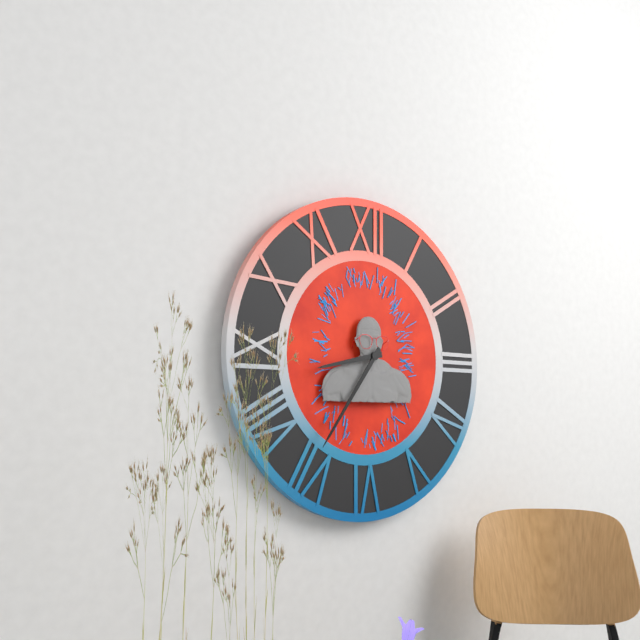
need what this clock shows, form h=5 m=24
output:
h=8 m=36
